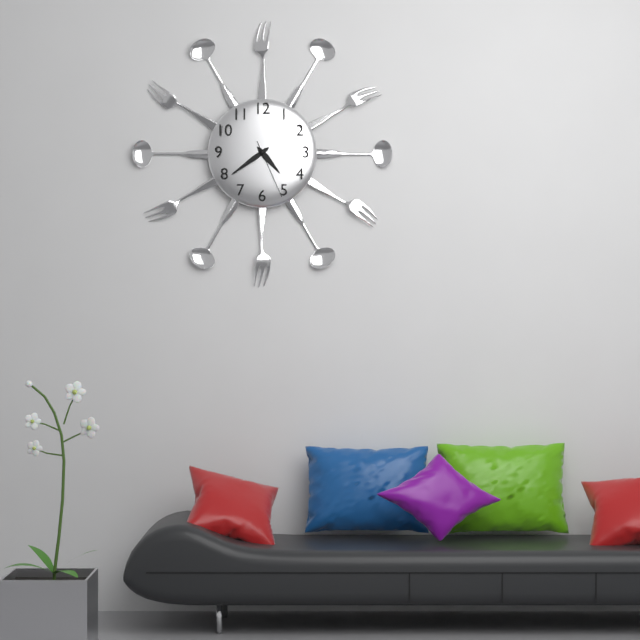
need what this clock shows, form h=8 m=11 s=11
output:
h=4 m=39 s=26
